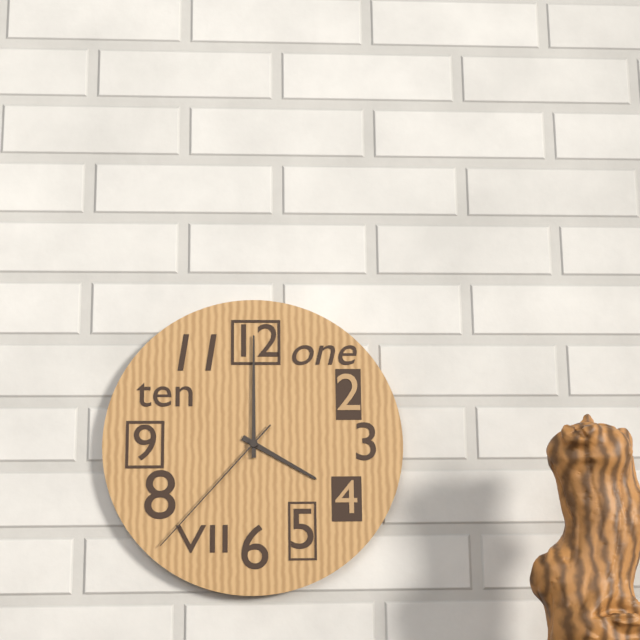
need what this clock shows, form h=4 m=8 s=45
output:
h=4 m=0 s=37
